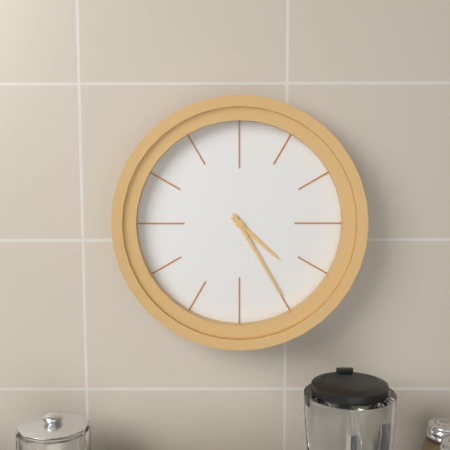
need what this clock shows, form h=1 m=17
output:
h=4 m=25
